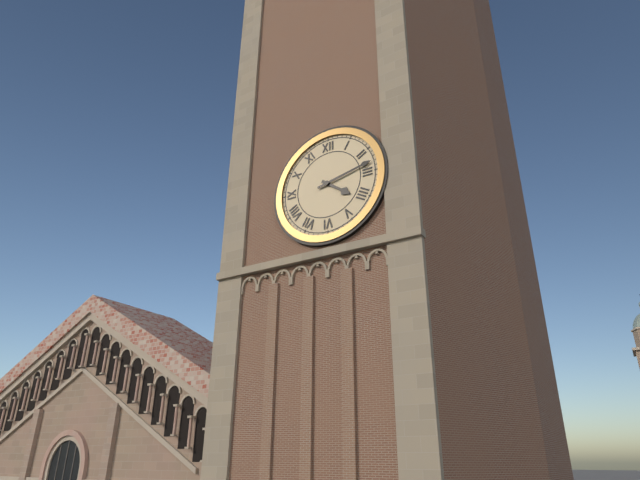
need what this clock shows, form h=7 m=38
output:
h=4 m=13
